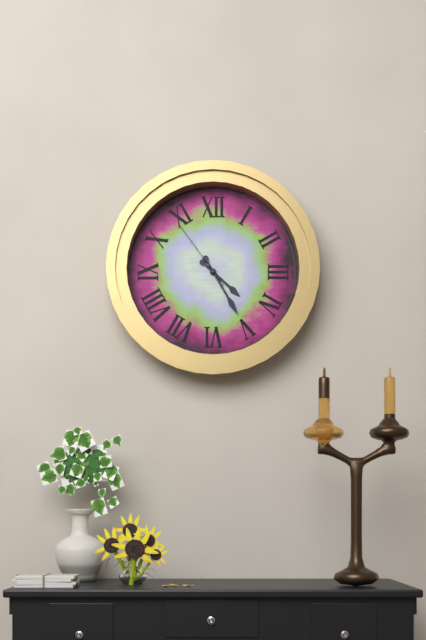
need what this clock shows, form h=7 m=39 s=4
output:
h=4 m=25 s=54
